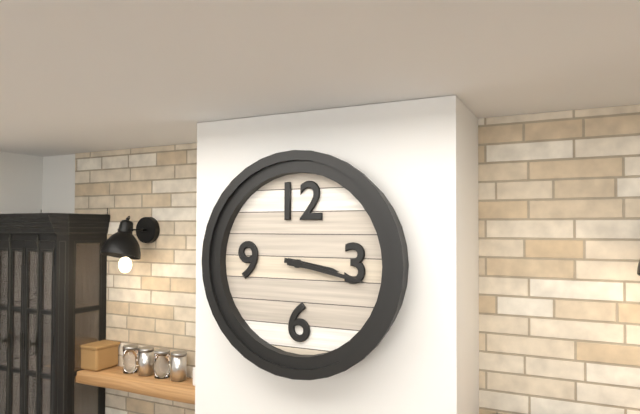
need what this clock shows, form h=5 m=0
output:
h=3 m=17
